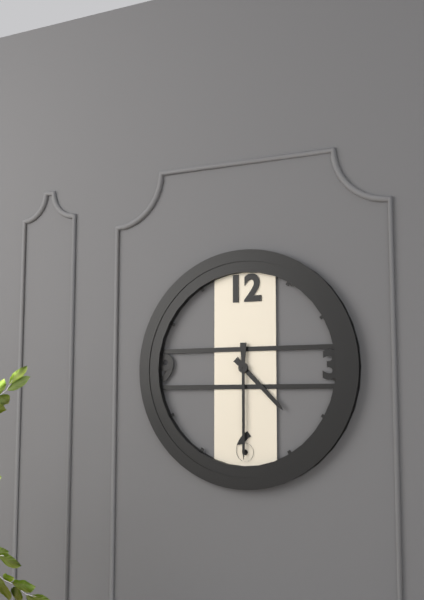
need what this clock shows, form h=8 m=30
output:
h=4 m=30
